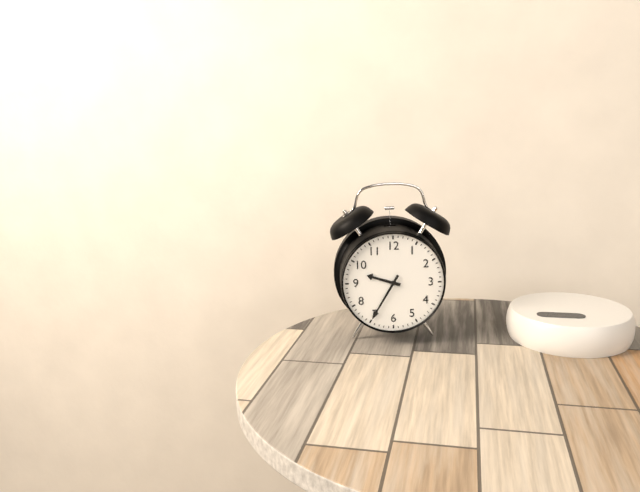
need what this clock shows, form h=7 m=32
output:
h=9 m=35
